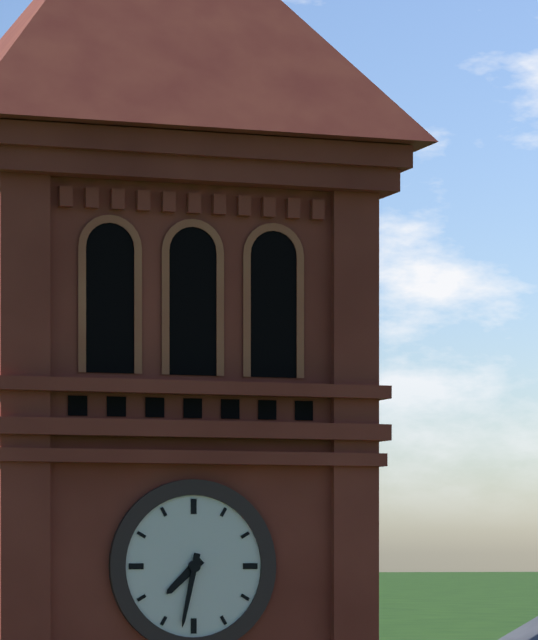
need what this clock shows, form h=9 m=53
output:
h=7 m=32
